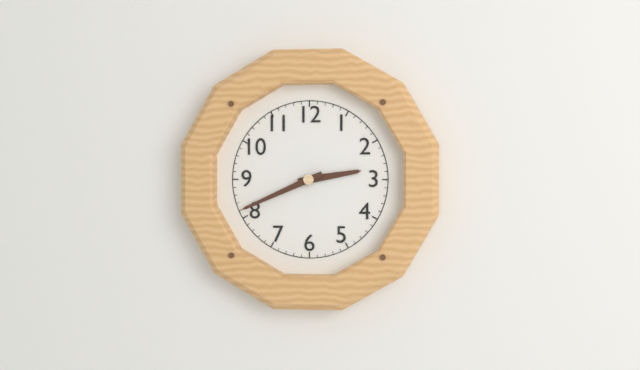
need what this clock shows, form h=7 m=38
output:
h=2 m=41
